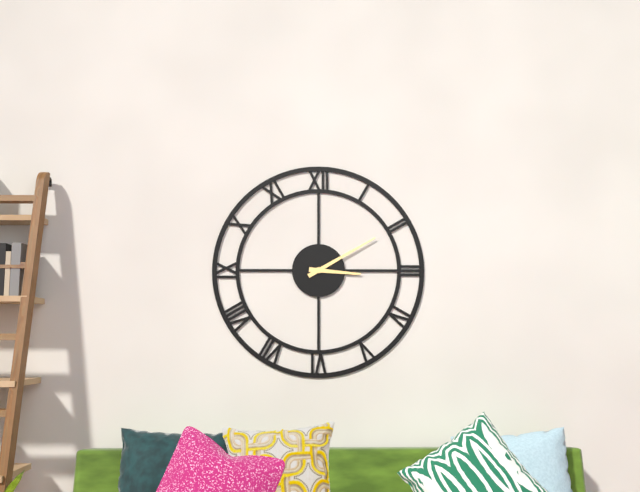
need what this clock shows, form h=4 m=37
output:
h=3 m=10
